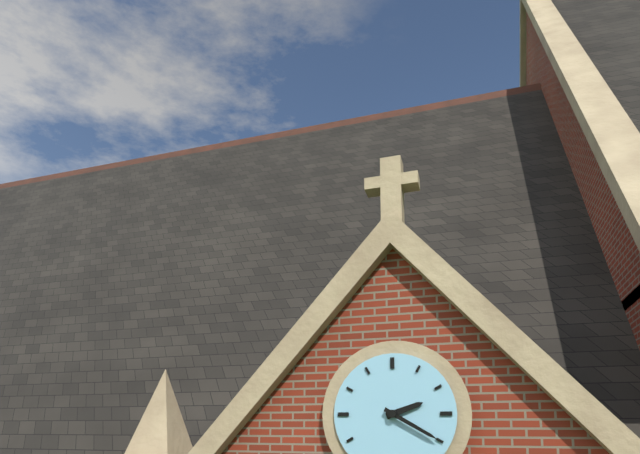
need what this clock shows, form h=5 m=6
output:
h=2 m=20
